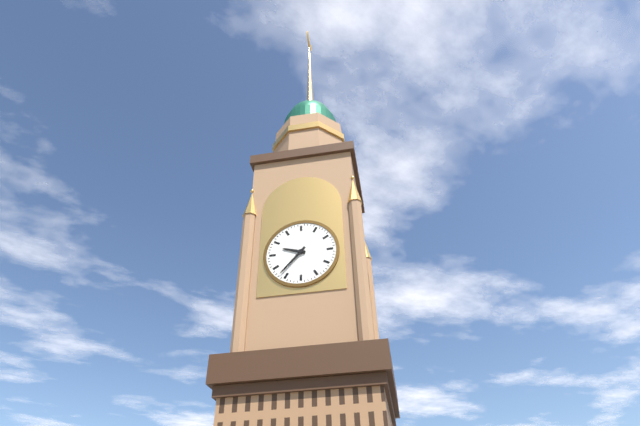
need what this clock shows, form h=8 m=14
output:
h=9 m=37
